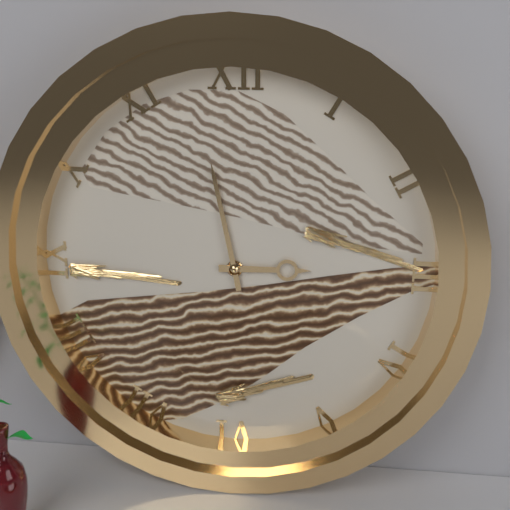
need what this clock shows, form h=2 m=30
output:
h=2 m=58
